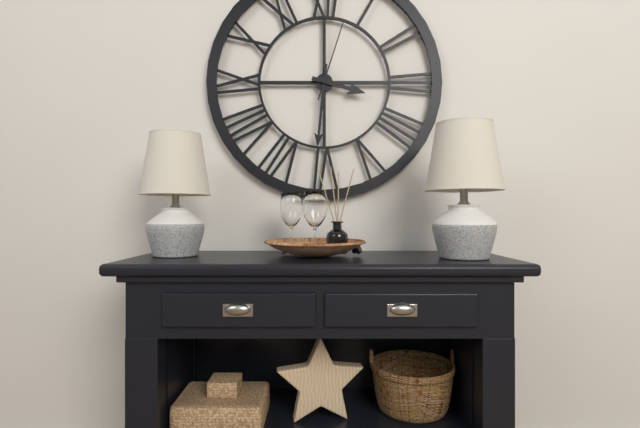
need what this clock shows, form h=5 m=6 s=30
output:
h=3 m=31 s=3
